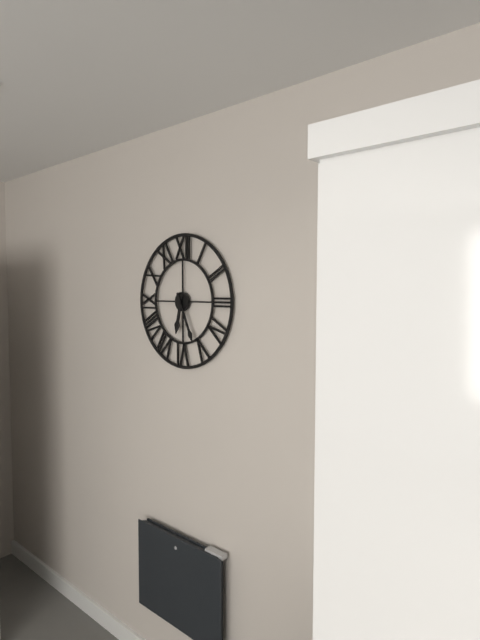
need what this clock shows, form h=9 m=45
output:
h=6 m=26
